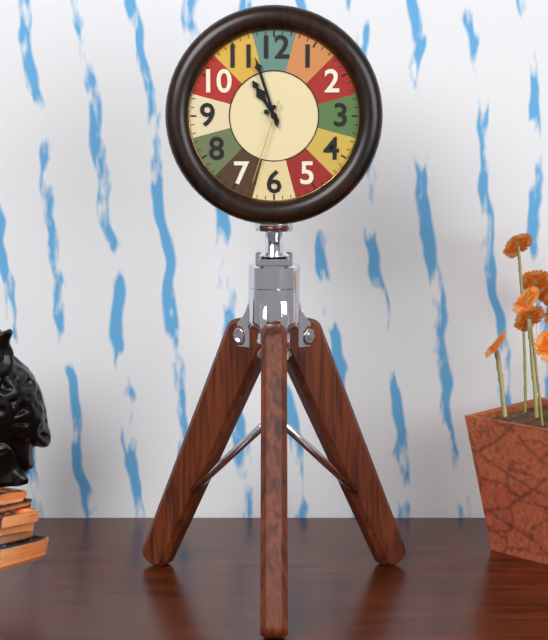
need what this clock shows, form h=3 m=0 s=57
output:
h=10 m=57 s=33
